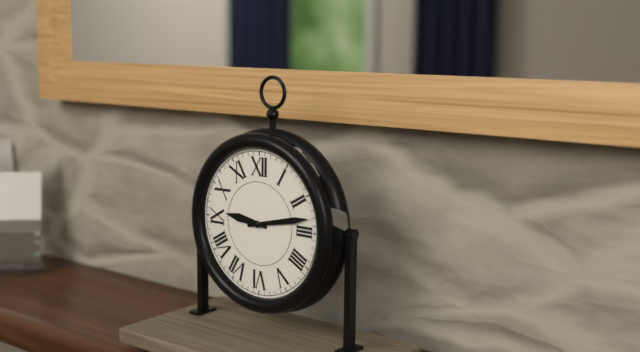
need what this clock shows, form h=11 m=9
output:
h=9 m=13
